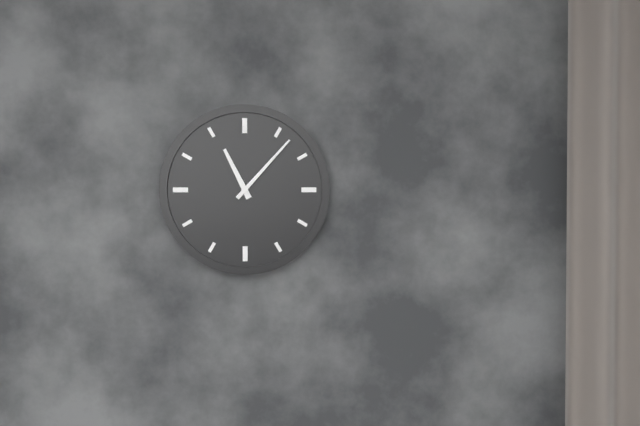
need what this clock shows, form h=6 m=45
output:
h=11 m=7
